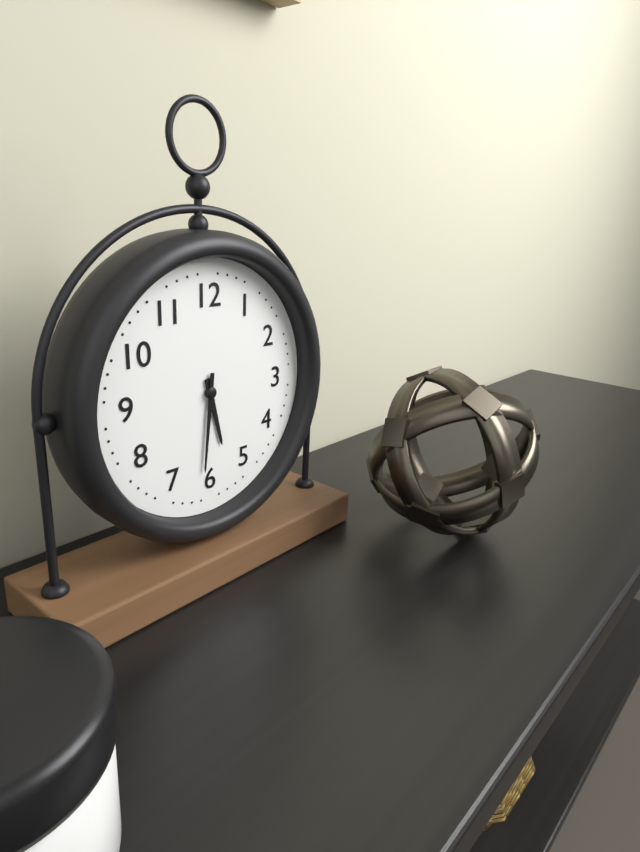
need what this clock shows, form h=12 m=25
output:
h=5 m=31
